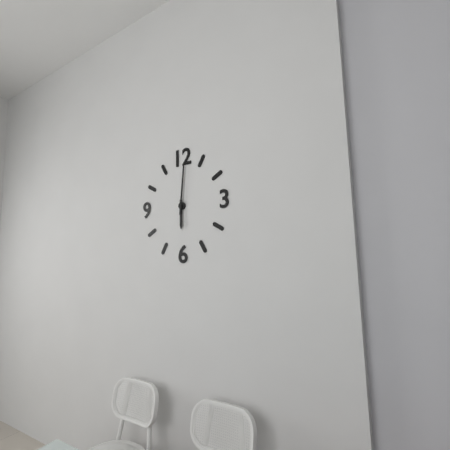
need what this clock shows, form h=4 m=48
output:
h=6 m=1
